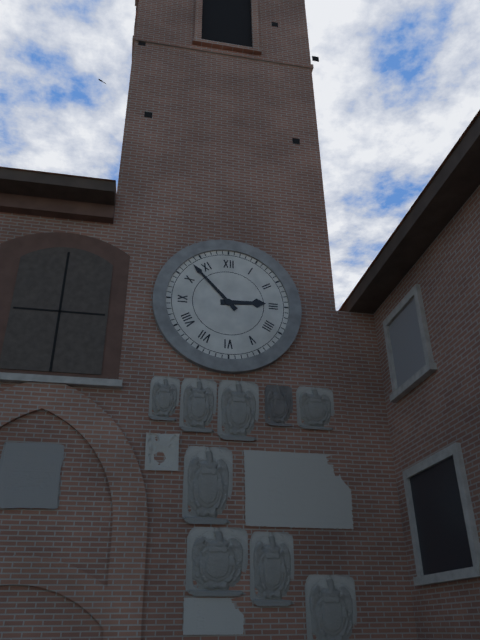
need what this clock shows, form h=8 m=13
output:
h=2 m=53
